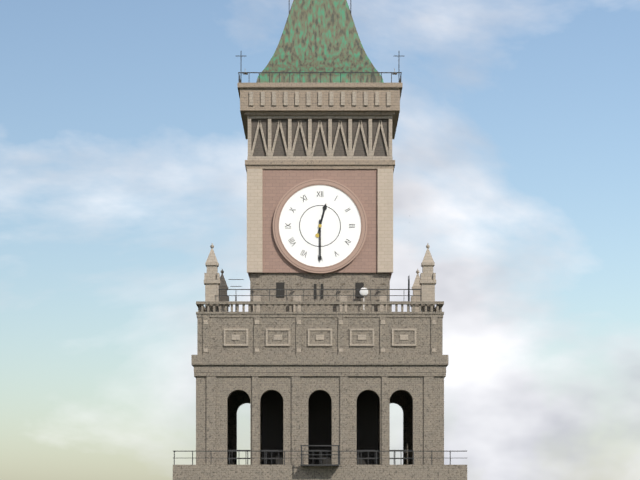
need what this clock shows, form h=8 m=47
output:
h=12 m=30
